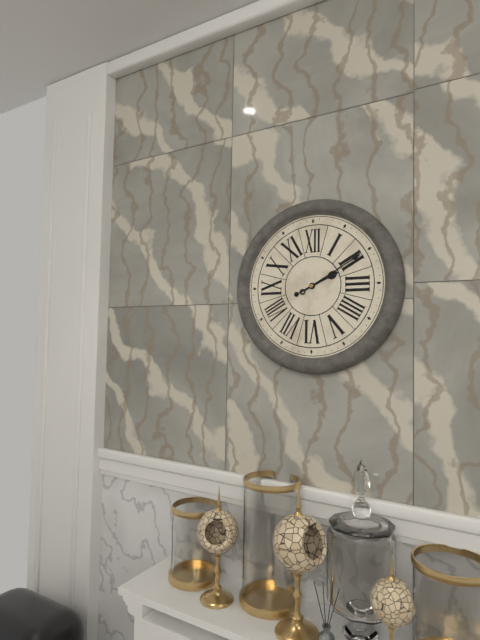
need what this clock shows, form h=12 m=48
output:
h=2 m=10
